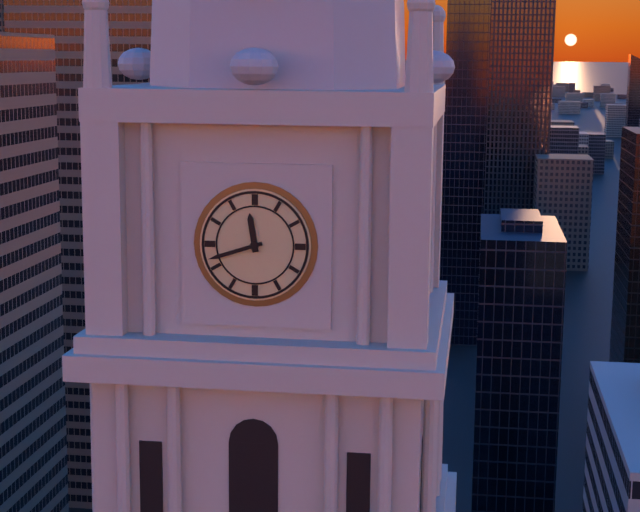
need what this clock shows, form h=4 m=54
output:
h=11 m=42
